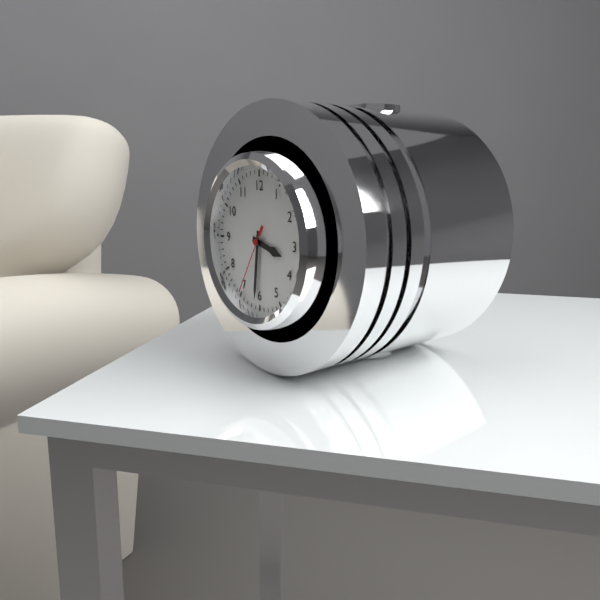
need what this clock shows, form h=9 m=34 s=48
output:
h=3 m=31 s=35
